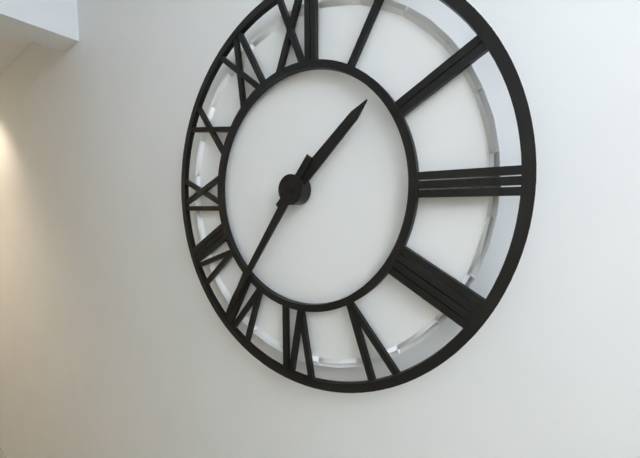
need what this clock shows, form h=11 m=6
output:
h=1 m=36
